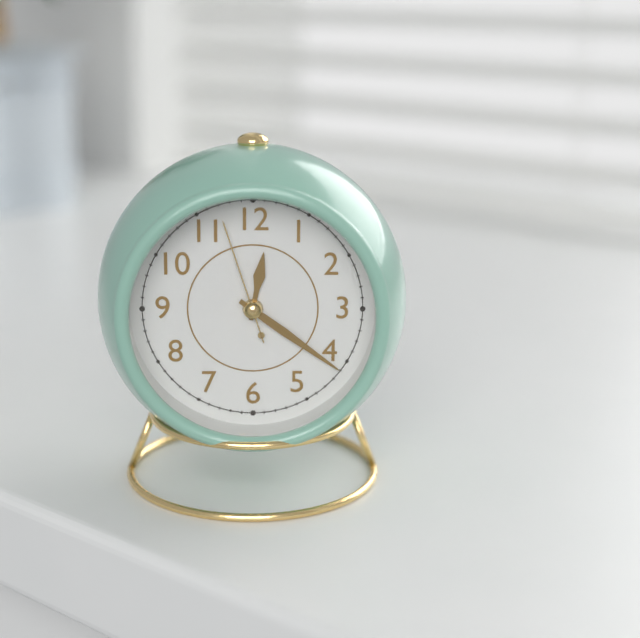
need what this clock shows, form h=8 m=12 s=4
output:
h=12 m=21 s=57
